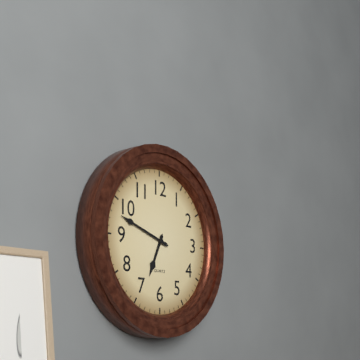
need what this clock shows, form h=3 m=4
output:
h=6 m=48
